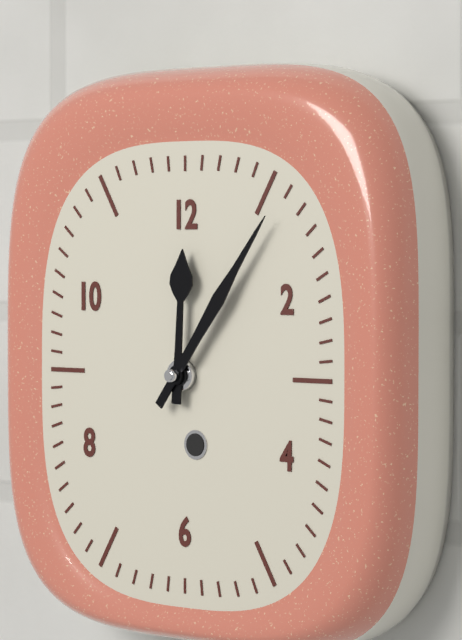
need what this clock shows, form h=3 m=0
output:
h=12 m=6
